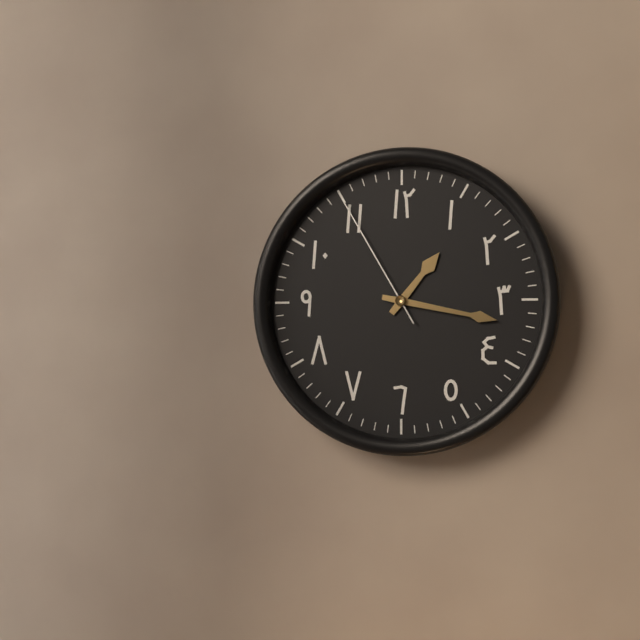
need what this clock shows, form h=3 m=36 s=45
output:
h=1 m=17 s=55
